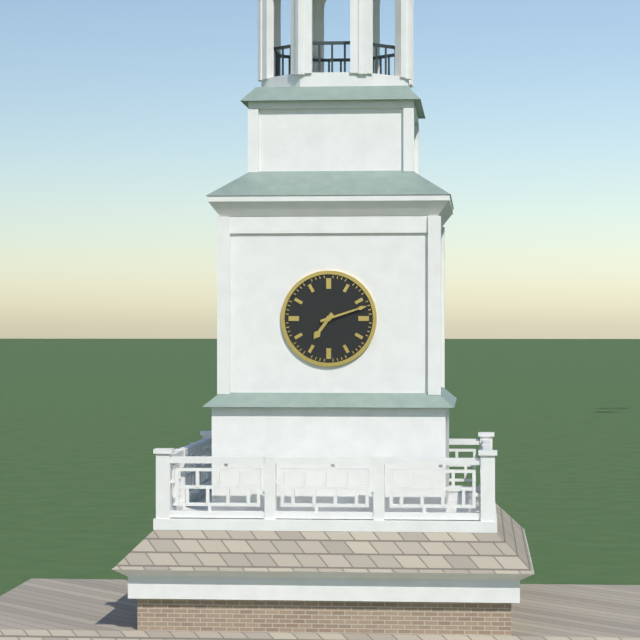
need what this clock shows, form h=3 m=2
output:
h=7 m=12
